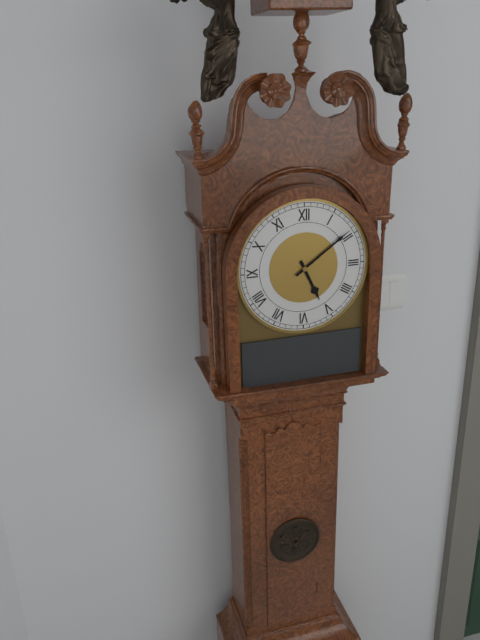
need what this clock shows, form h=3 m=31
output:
h=5 m=9
